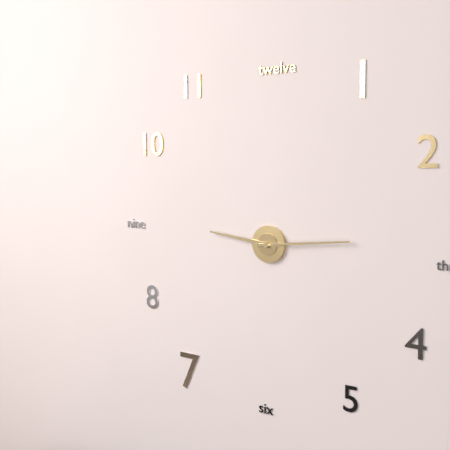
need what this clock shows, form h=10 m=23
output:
h=9 m=14
